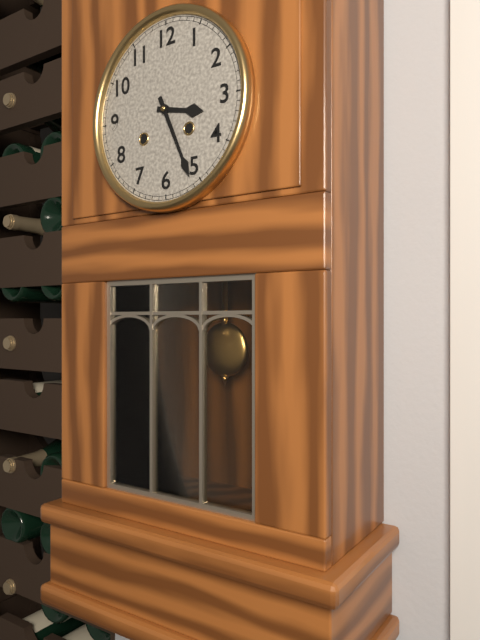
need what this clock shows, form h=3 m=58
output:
h=3 m=26
